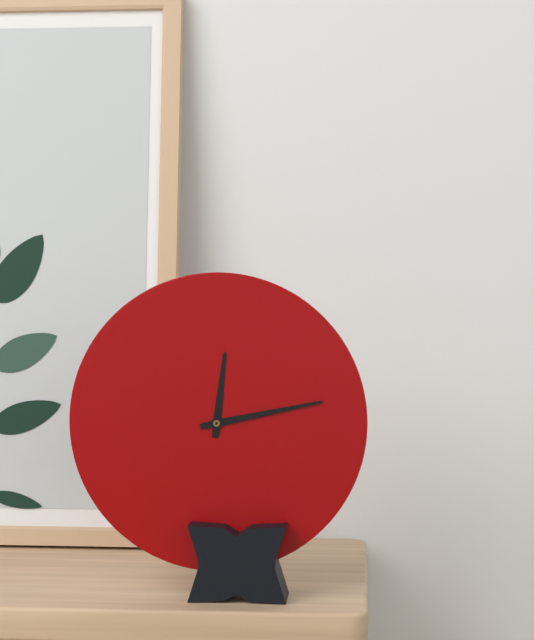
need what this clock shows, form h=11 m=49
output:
h=12 m=13
